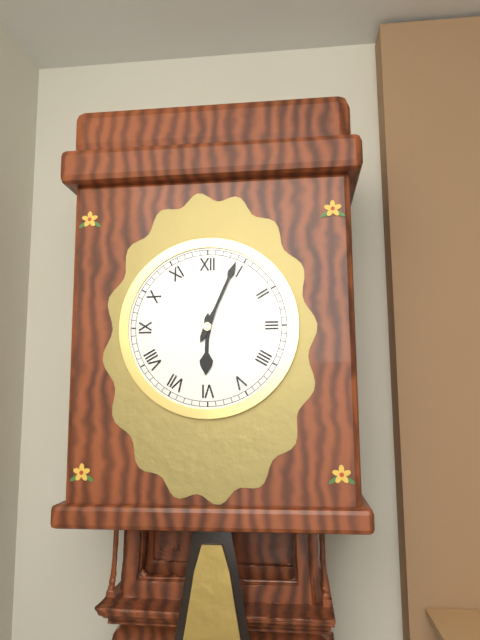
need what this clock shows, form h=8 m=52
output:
h=6 m=4
